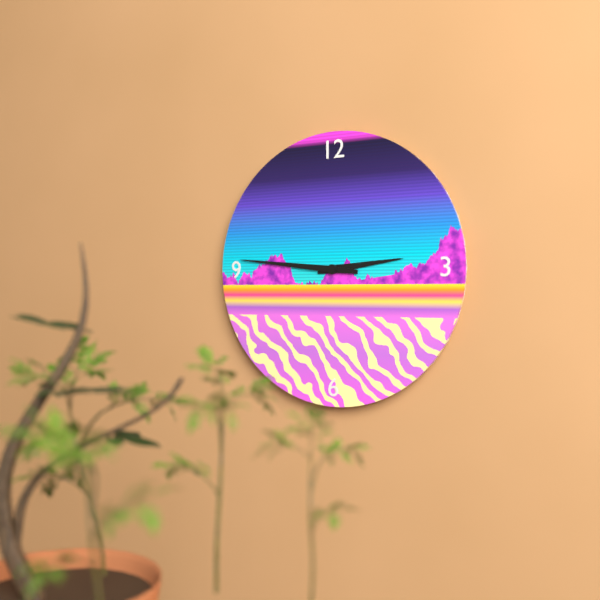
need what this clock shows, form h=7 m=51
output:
h=2 m=46
